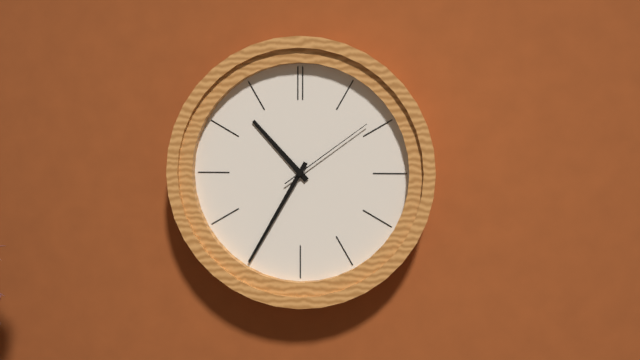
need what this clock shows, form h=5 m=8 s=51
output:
h=10 m=35 s=9
